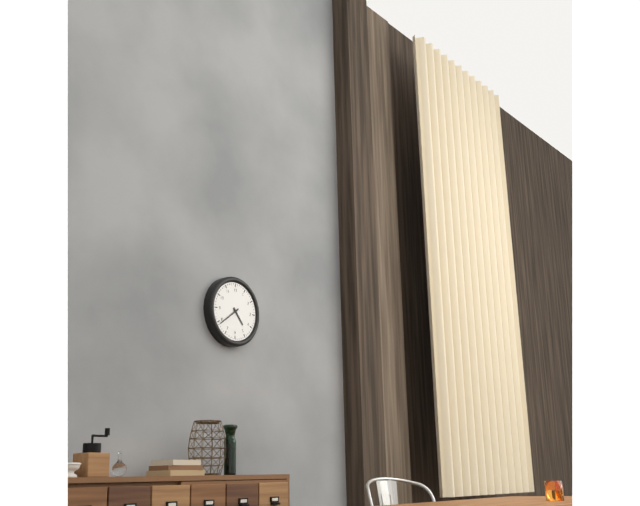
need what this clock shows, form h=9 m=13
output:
h=4 m=39
